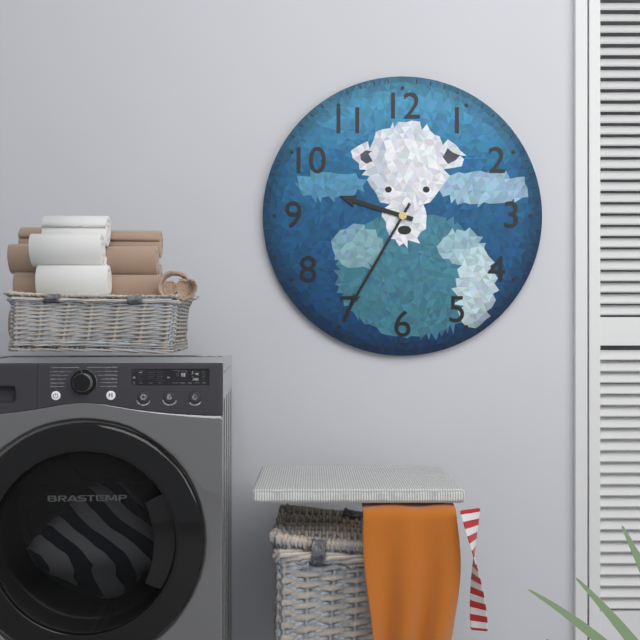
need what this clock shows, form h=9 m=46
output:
h=9 m=35
